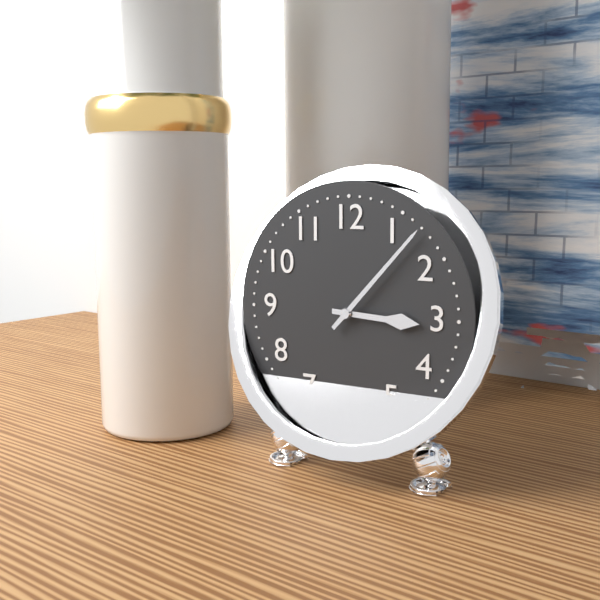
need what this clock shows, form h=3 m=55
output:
h=3 m=7
